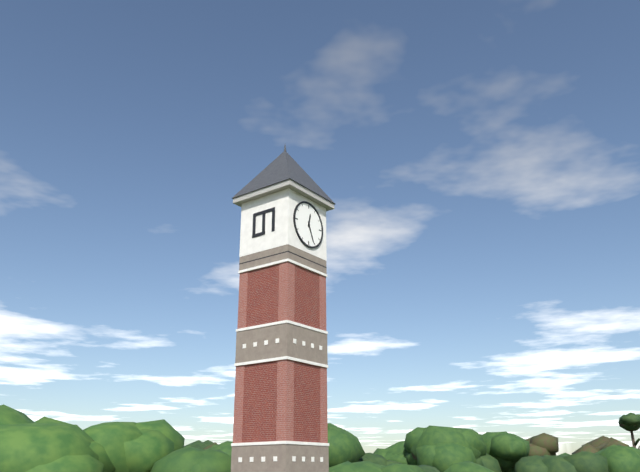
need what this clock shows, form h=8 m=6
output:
h=12 m=26
